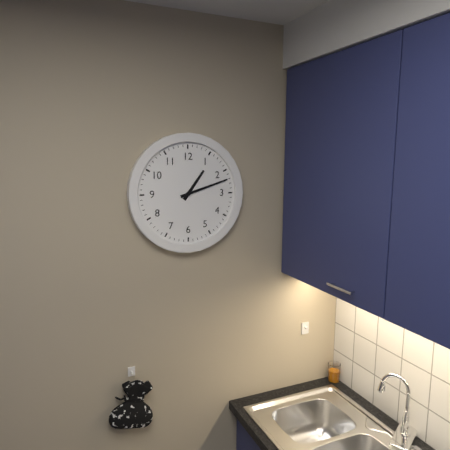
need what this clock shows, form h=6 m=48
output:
h=1 m=12
